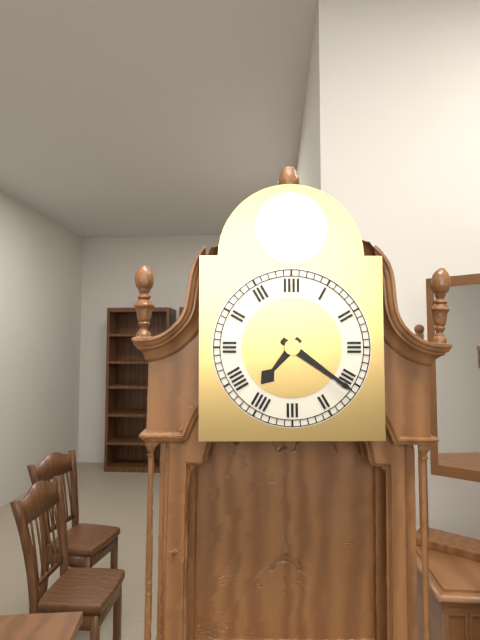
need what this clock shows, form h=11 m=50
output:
h=7 m=21
